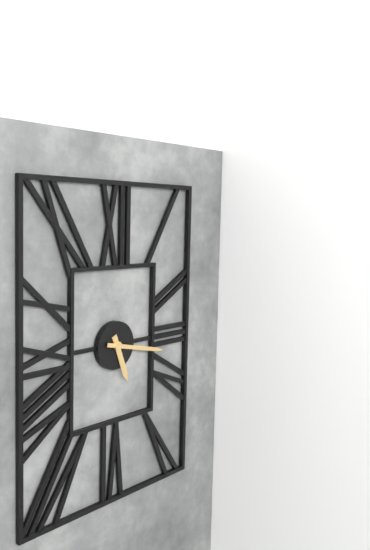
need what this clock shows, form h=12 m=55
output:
h=5 m=17
